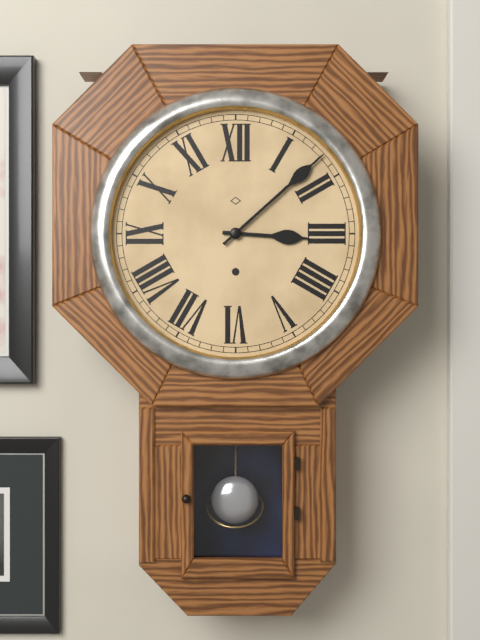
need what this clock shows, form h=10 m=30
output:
h=3 m=8
